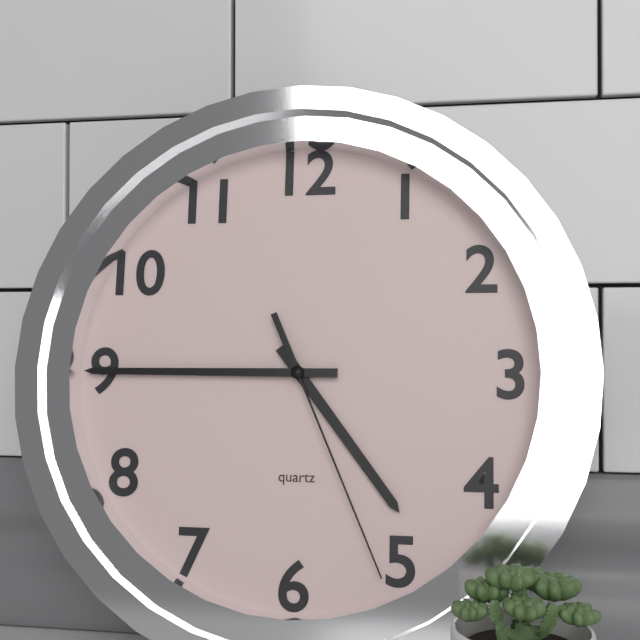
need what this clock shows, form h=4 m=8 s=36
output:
h=4 m=45 s=26
